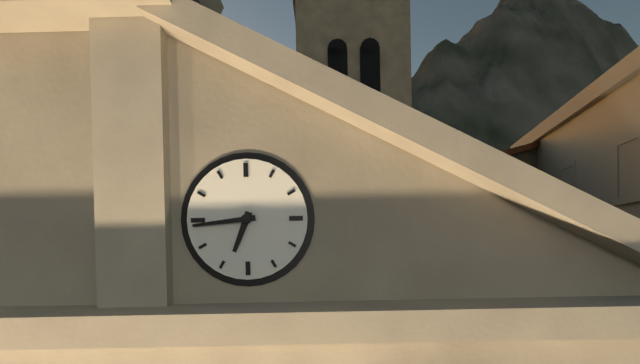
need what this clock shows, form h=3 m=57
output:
h=6 m=44
